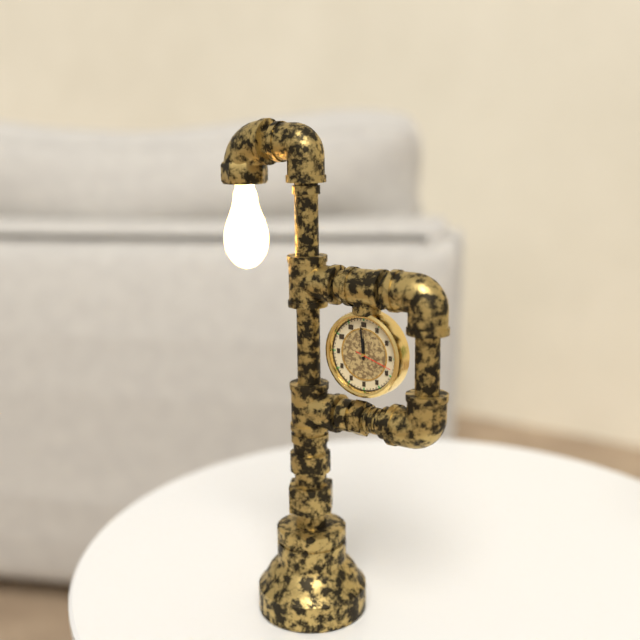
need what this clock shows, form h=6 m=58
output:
h=11 m=59
